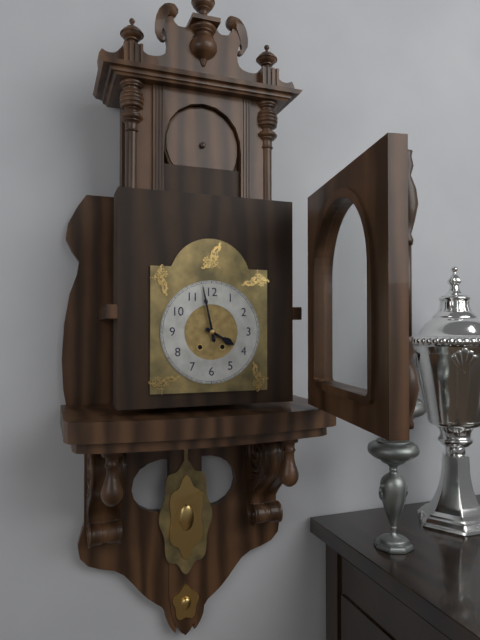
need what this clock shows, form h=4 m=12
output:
h=3 m=58
